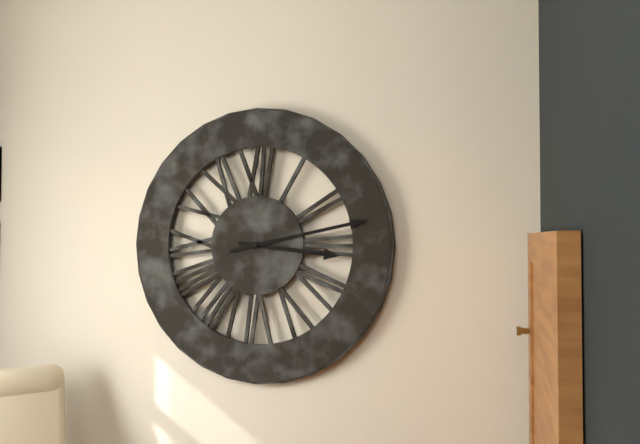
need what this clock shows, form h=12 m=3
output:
h=3 m=13
